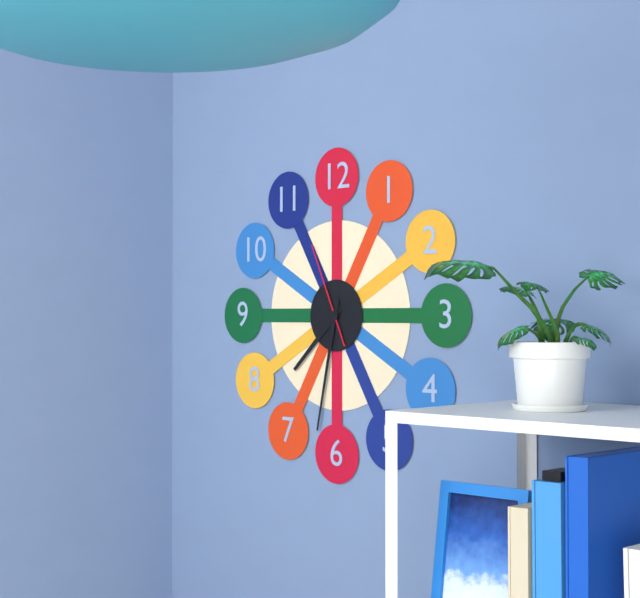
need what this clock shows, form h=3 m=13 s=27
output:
h=7 m=32 s=56
